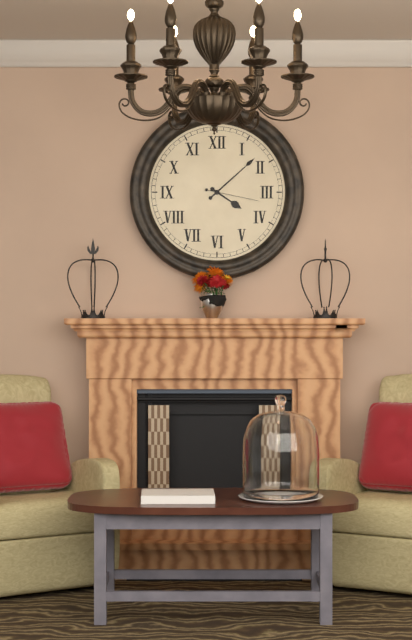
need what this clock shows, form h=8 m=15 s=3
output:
h=4 m=8 s=17
